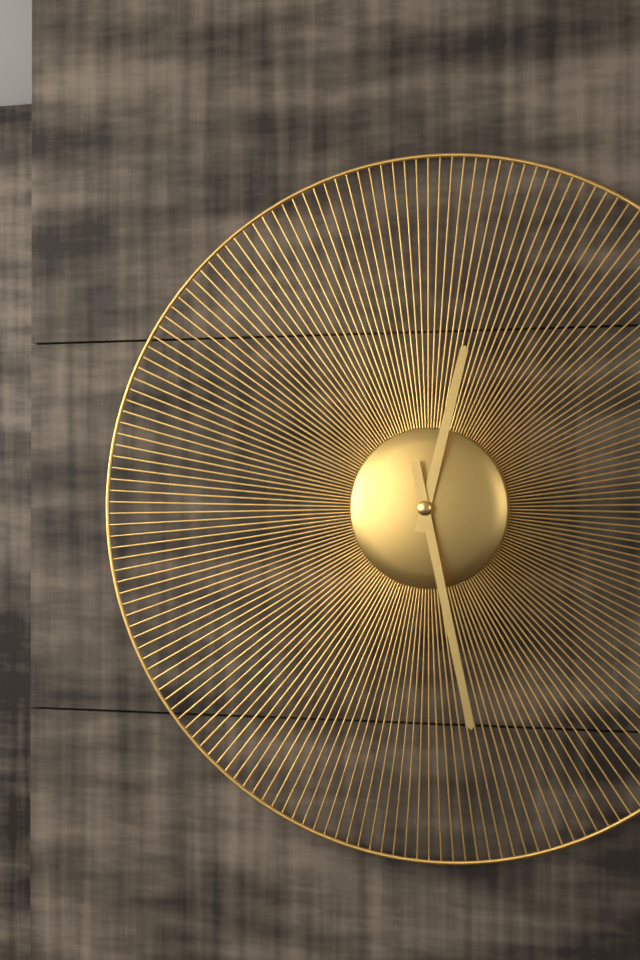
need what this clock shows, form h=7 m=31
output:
h=12 m=28
